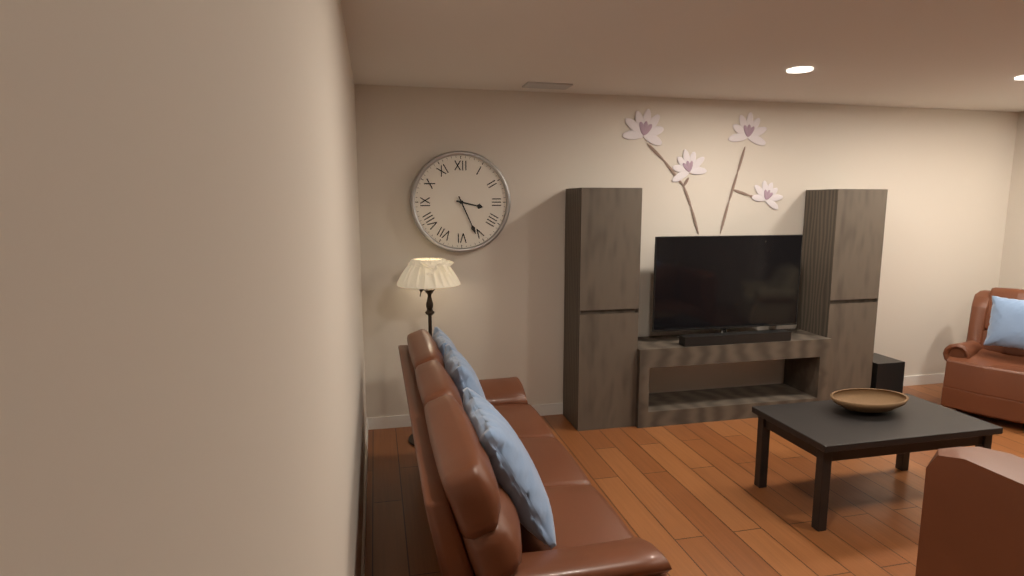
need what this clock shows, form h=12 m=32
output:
h=3 m=26
